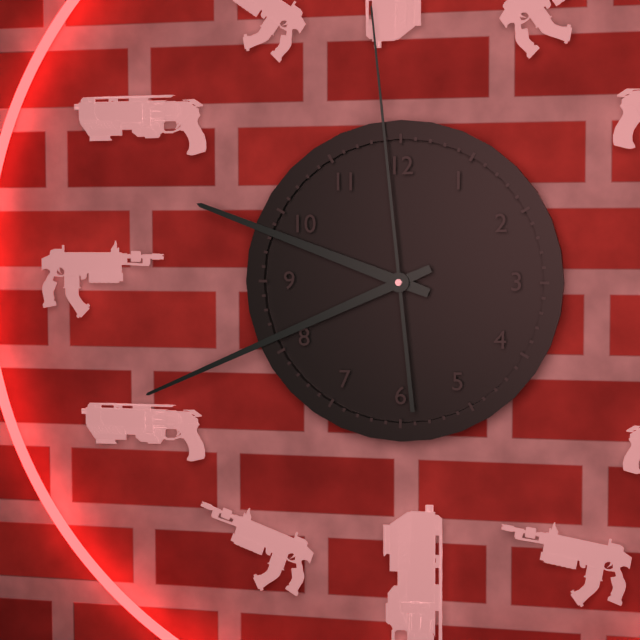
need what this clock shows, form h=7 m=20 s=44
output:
h=9 m=41 s=59
